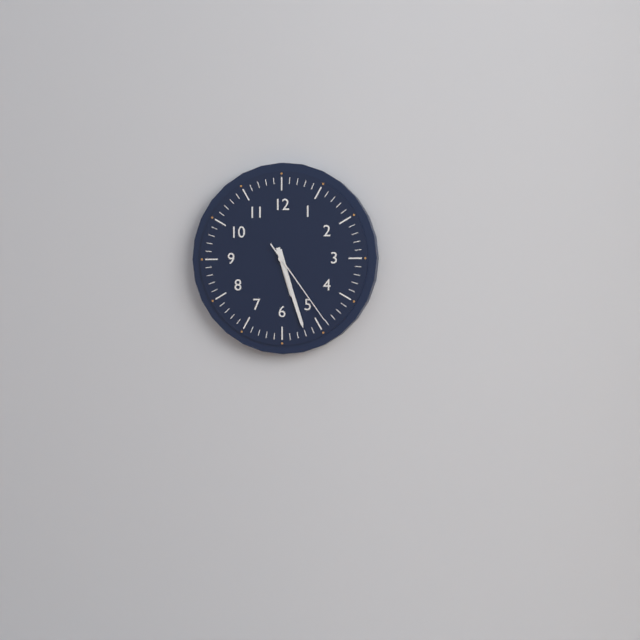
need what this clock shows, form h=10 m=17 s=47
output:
h=5 m=27 s=24
